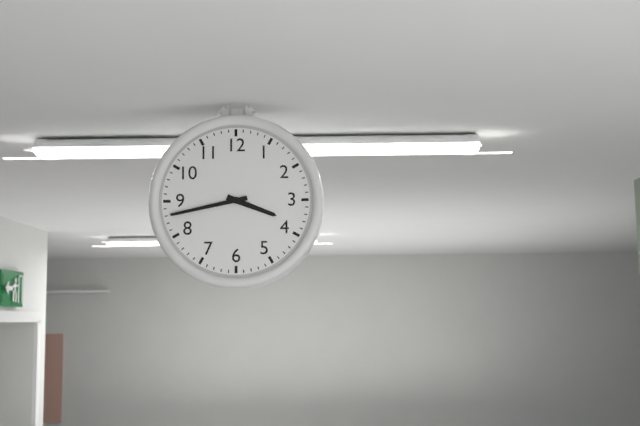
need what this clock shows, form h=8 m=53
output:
h=3 m=43
